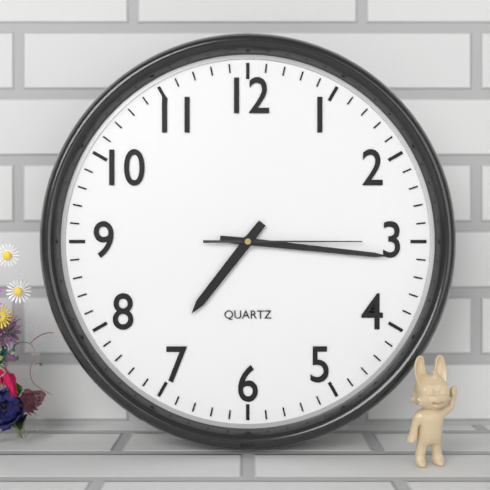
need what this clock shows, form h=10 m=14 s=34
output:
h=7 m=16 s=15
